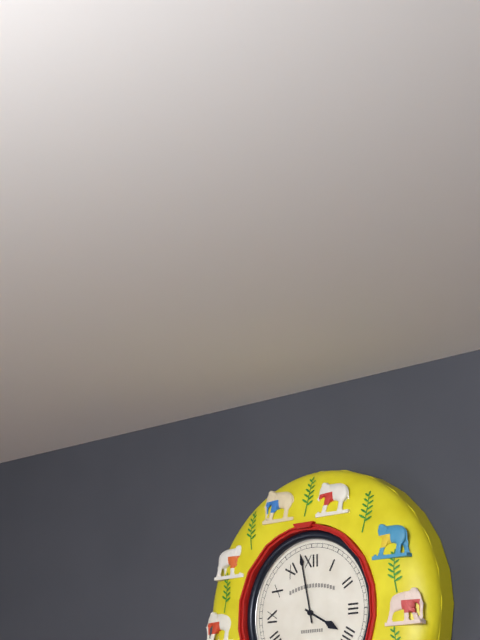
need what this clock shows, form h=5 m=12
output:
h=3 m=58
